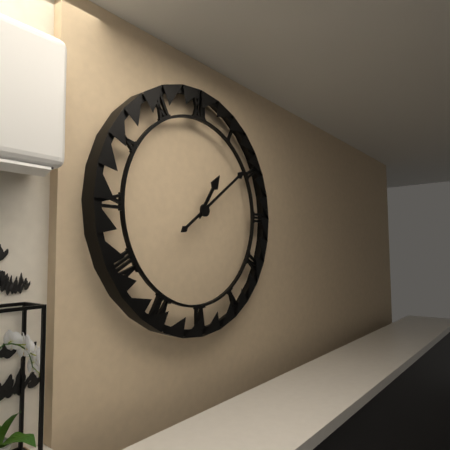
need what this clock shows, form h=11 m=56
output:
h=1 m=9
